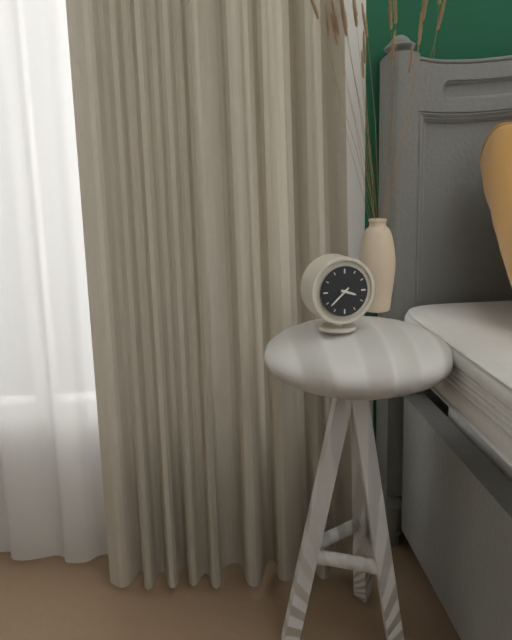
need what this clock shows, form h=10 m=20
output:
h=3 m=38
